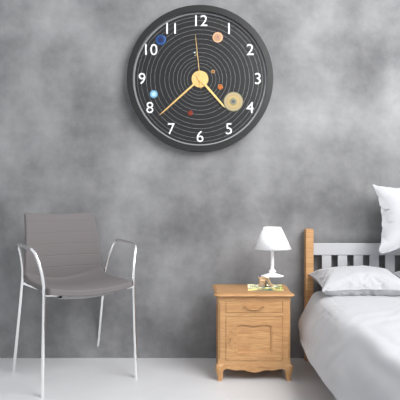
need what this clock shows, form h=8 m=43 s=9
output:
h=4 m=38 s=59
